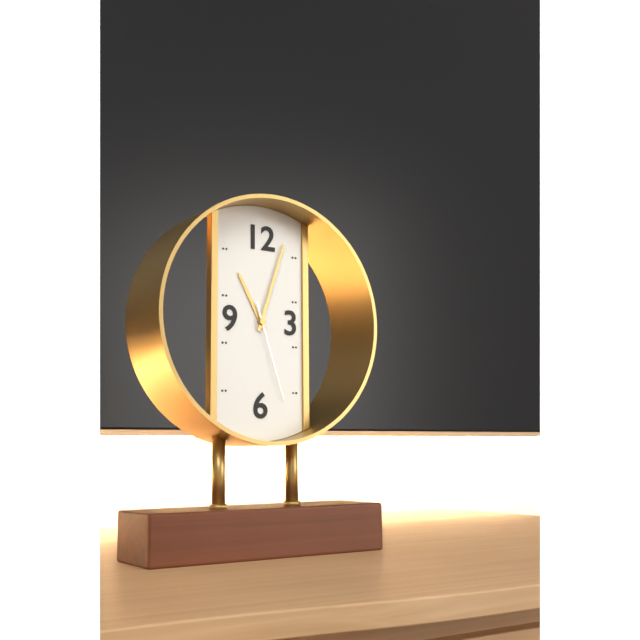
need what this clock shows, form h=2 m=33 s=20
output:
h=11 m=3 s=27
